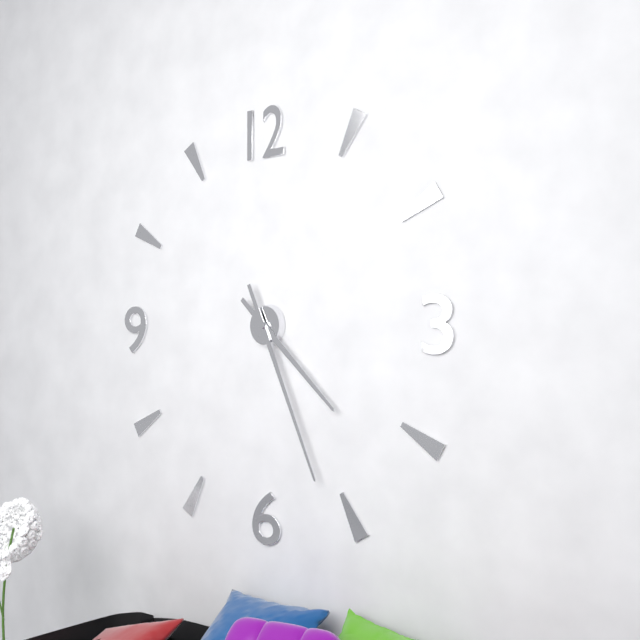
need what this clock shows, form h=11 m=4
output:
h=4 m=26
